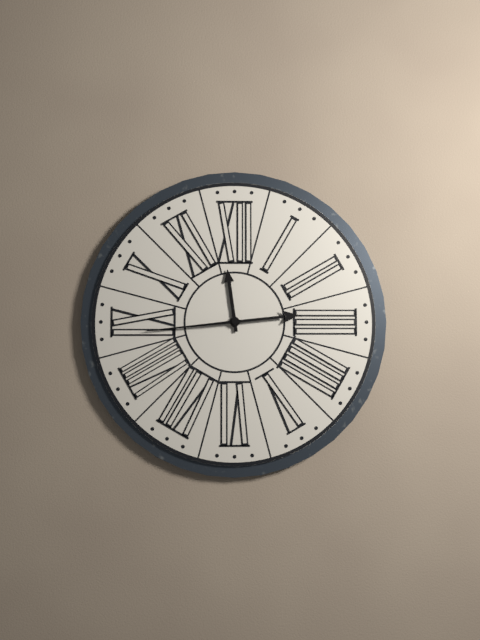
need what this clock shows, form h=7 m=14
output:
h=11 m=44
